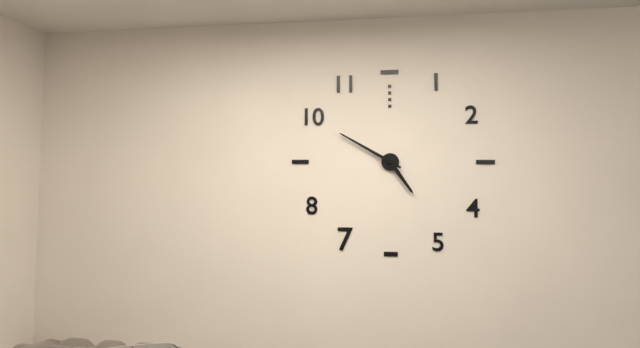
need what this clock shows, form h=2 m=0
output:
h=4 m=50
